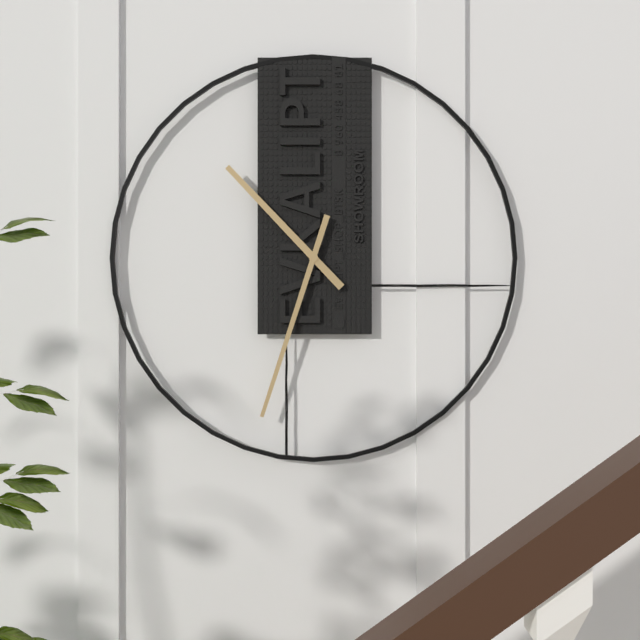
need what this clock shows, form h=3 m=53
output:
h=10 m=33
